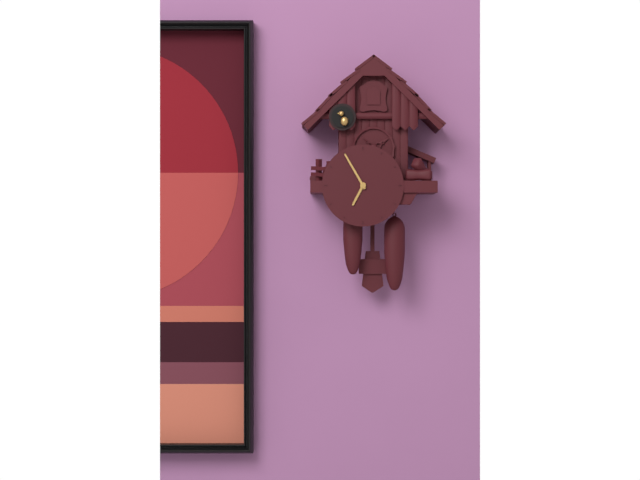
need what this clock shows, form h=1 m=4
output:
h=6 m=55
